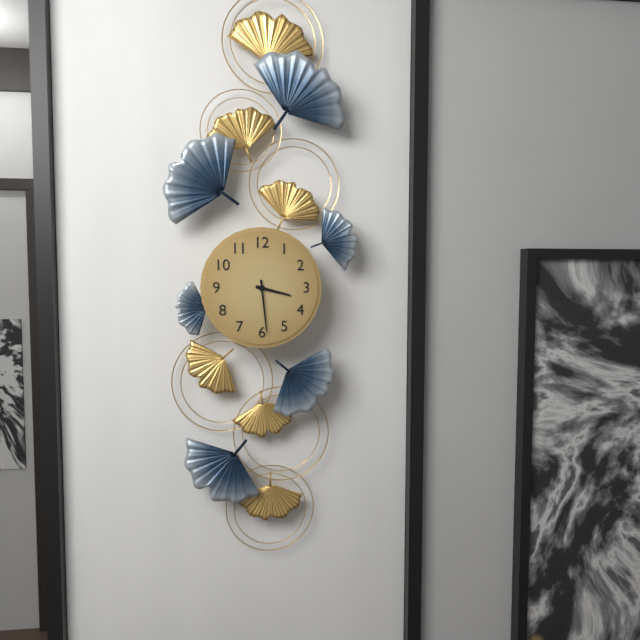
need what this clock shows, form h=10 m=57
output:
h=3 m=29
